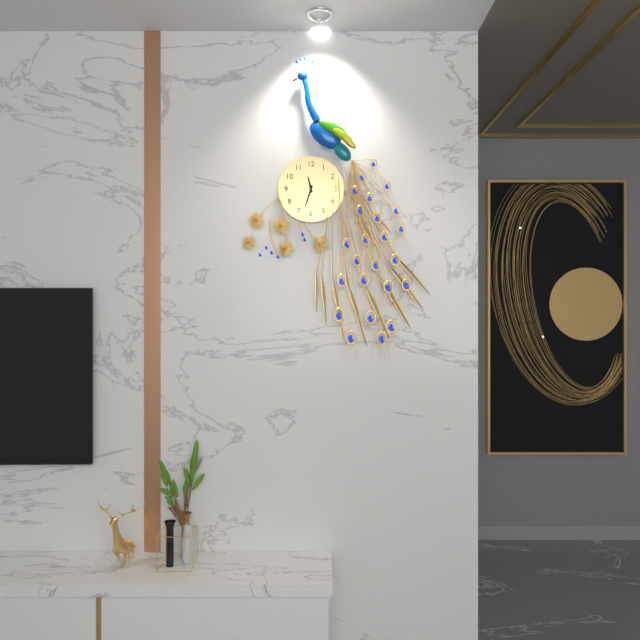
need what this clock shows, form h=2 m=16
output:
h=11 m=33
